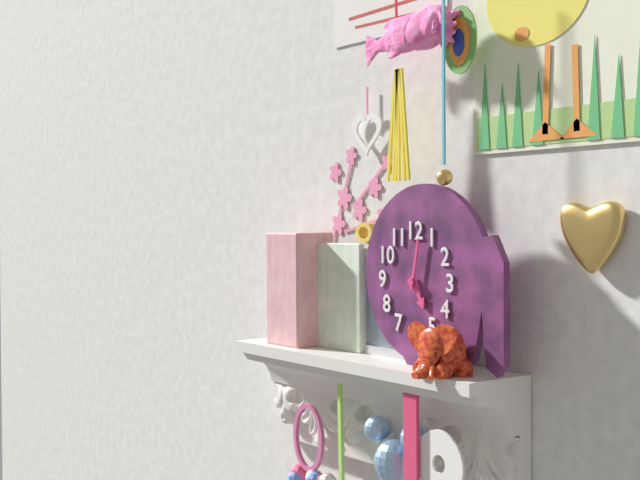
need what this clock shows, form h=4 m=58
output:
h=5 m=2
